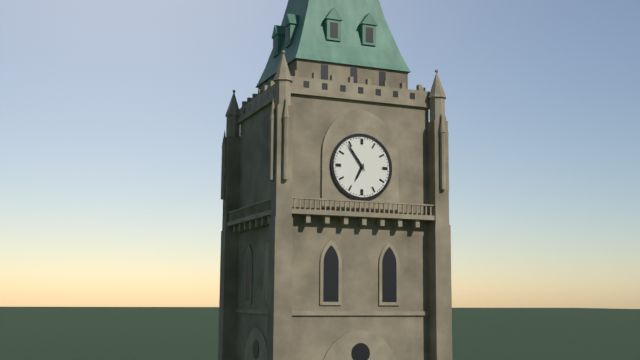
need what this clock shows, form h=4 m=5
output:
h=6 m=54
